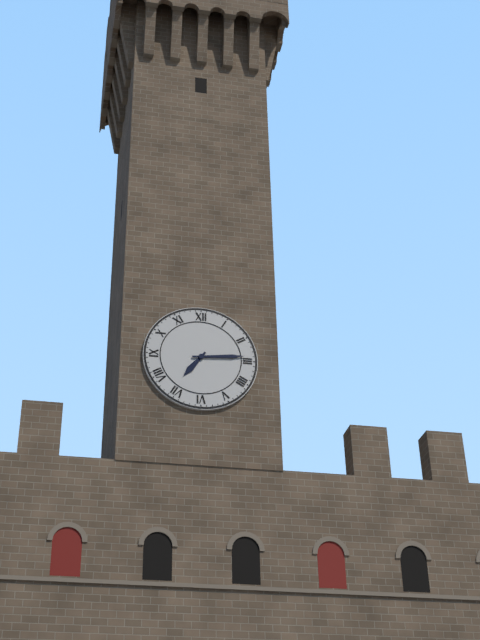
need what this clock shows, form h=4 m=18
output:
h=7 m=14
